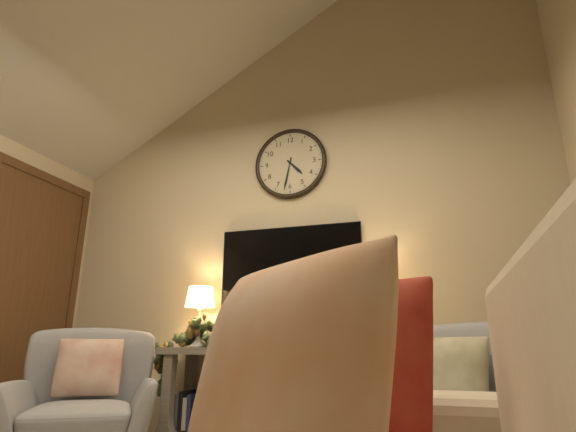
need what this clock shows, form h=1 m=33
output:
h=4 m=32
